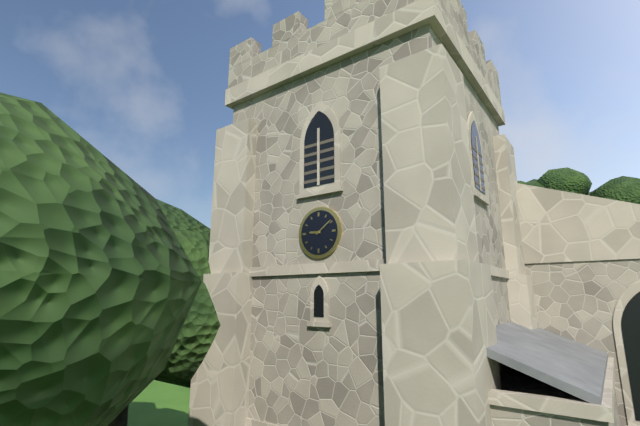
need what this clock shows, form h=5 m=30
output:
h=9 m=9
